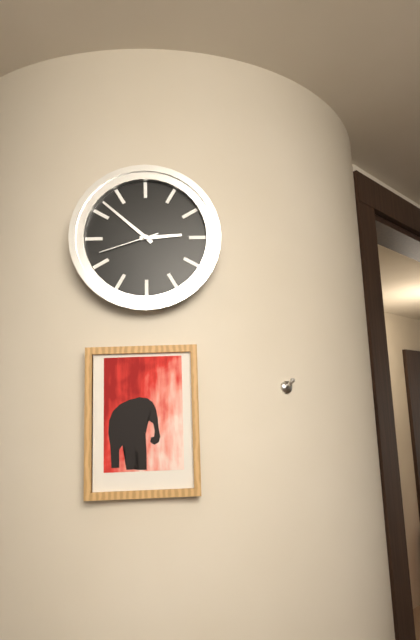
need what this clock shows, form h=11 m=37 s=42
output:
h=2 m=52 s=42
